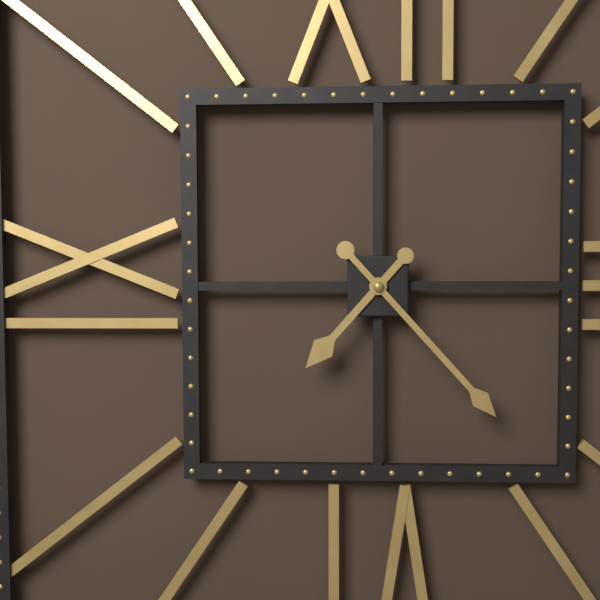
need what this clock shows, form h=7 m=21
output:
h=7 m=23
